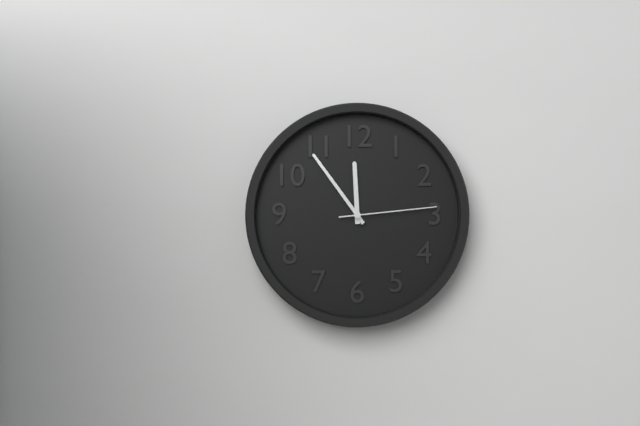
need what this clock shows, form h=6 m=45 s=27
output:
h=11 m=54 s=14
